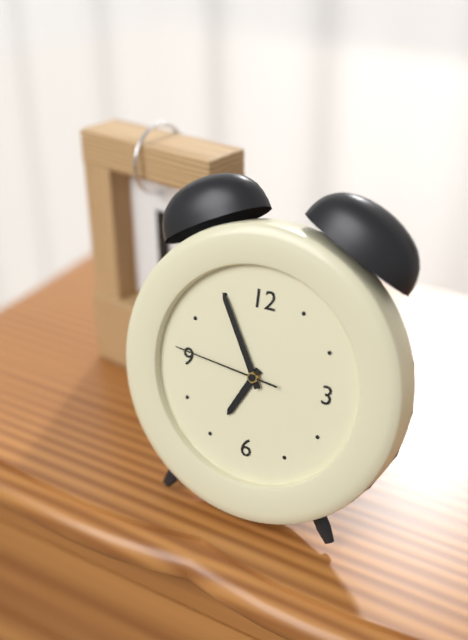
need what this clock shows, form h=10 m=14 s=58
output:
h=6 m=55 s=46
